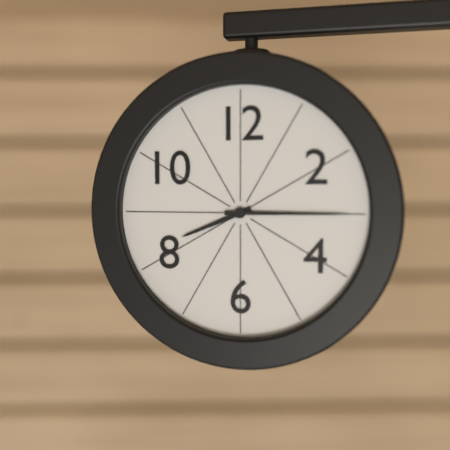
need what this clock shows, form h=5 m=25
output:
h=8 m=15
